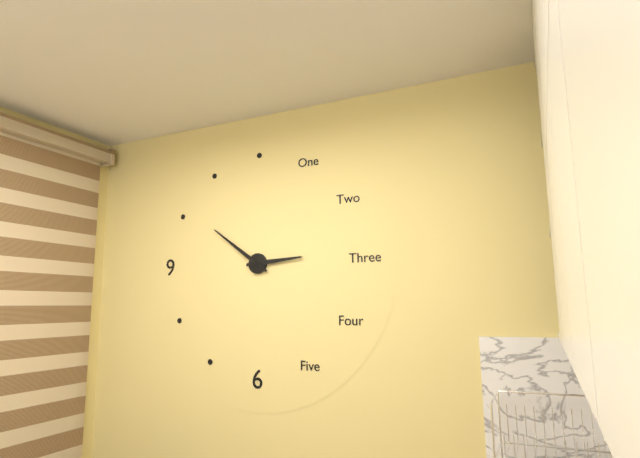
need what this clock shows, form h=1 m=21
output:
h=2 m=51
